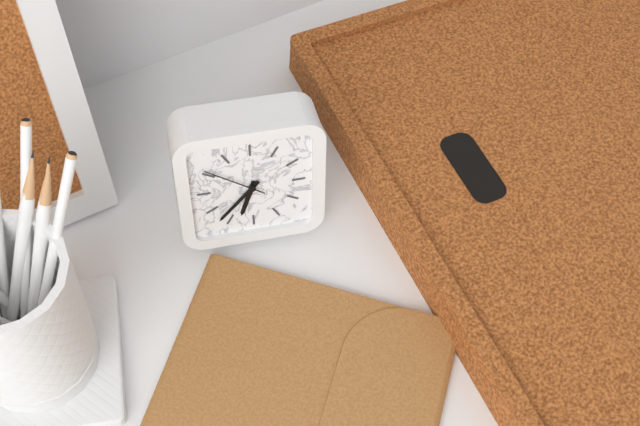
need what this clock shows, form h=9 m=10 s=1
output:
h=6 m=37 s=51
